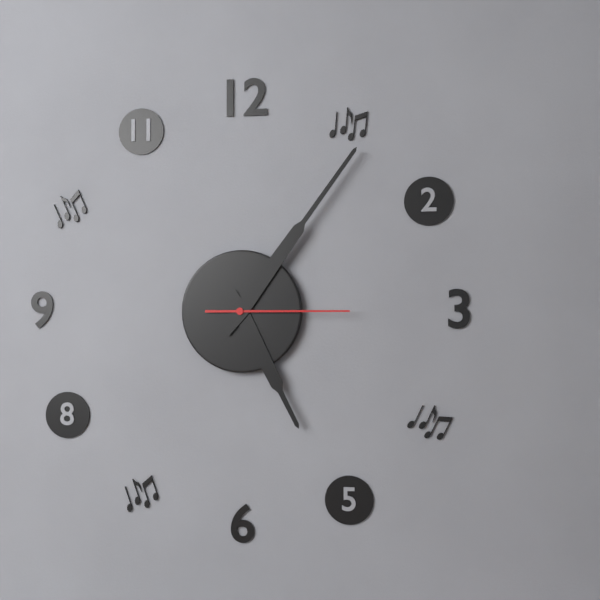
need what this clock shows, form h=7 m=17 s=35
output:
h=5 m=6 s=15
